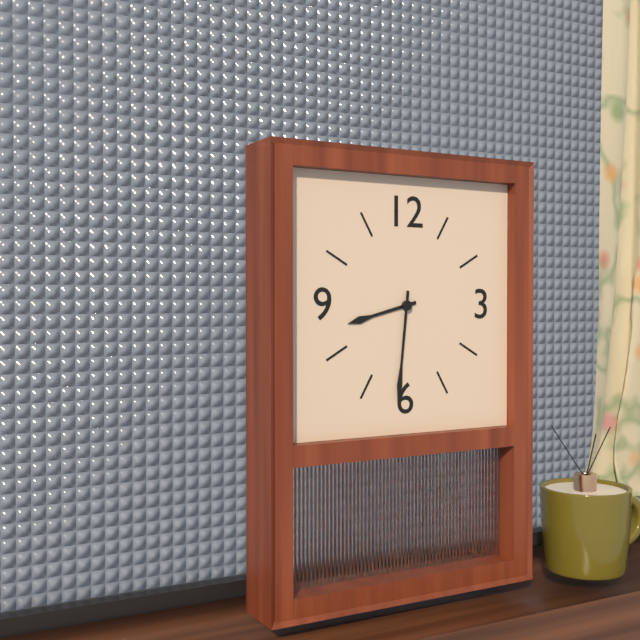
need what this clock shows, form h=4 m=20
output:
h=8 m=31
